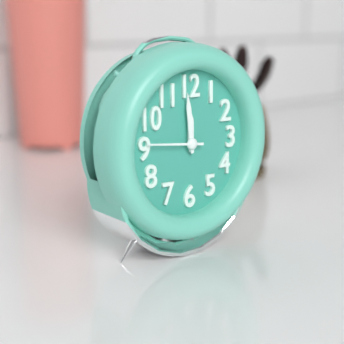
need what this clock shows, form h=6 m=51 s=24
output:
h=11 m=59 s=46
